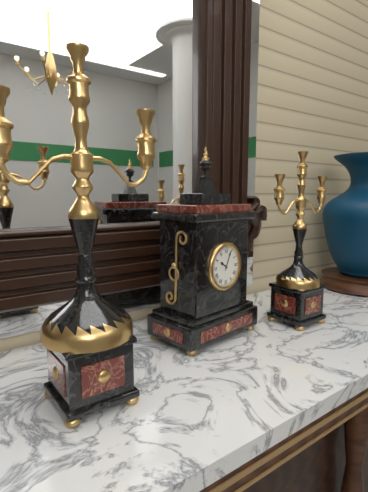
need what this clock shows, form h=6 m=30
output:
h=10 m=4
